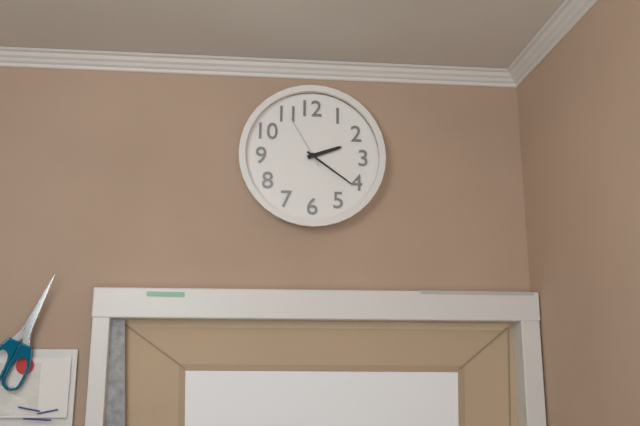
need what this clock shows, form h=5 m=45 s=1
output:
h=2 m=21 s=55
